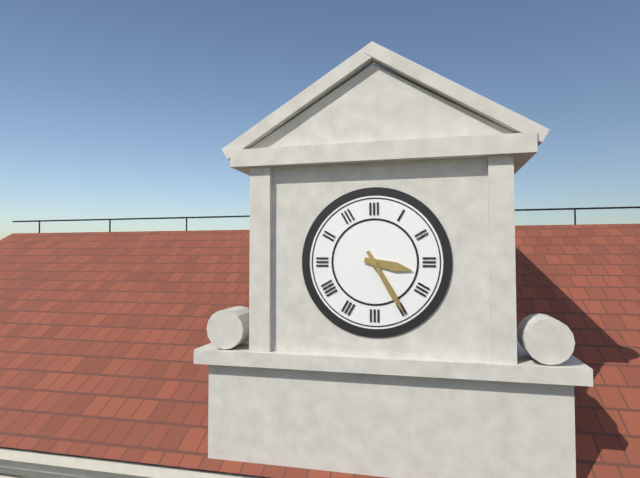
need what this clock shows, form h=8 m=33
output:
h=3 m=25
